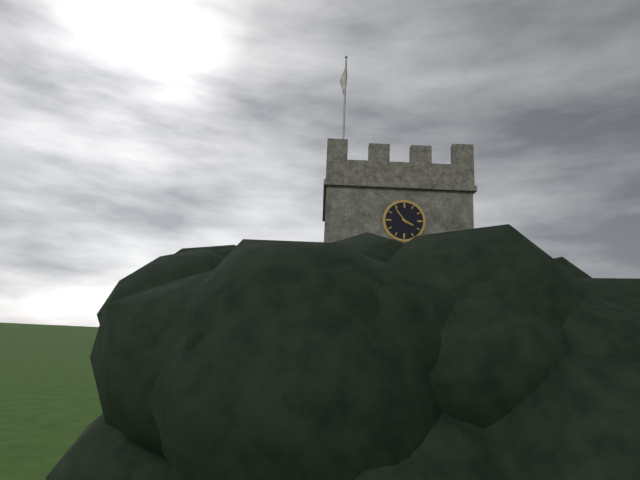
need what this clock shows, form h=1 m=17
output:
h=3 m=54
